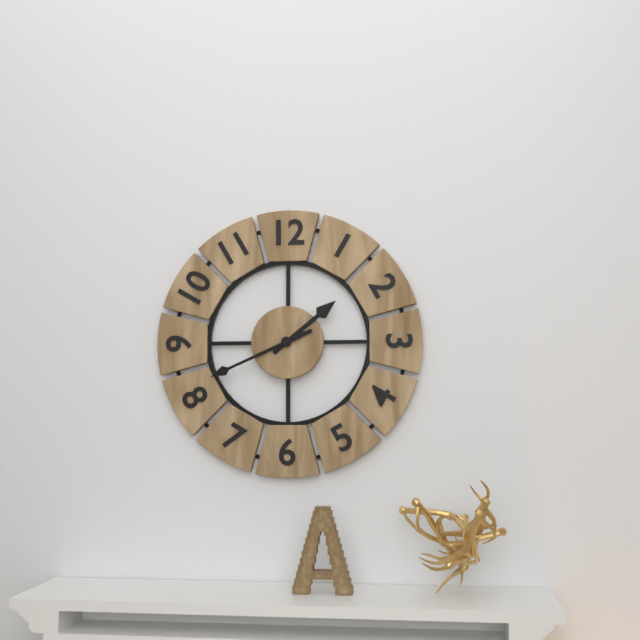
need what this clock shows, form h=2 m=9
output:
h=1 m=41
